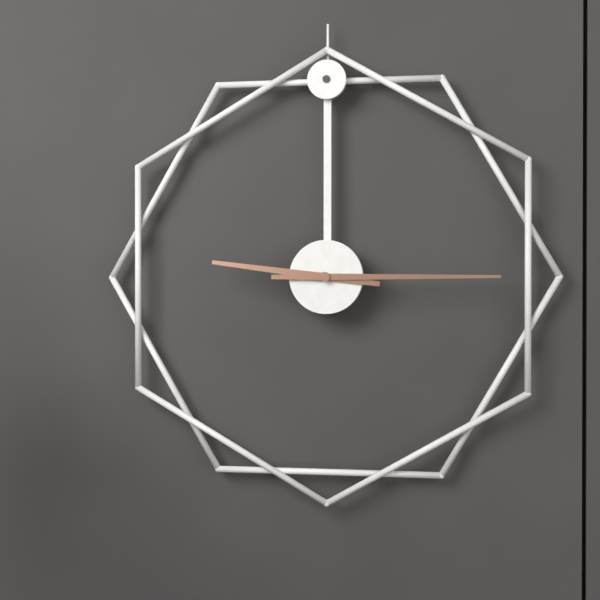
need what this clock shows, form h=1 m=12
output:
h=9 m=15
